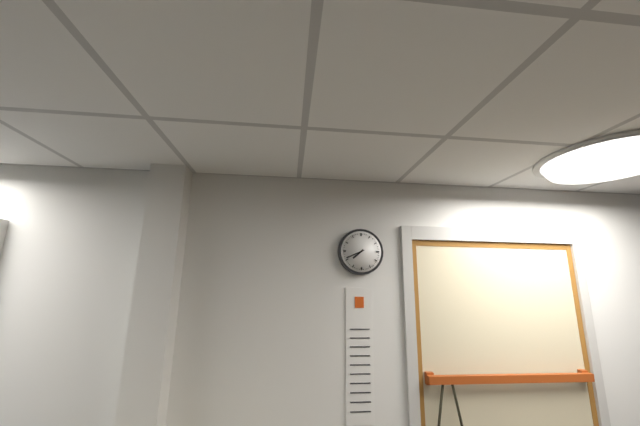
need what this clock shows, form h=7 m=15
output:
h=7 m=41
